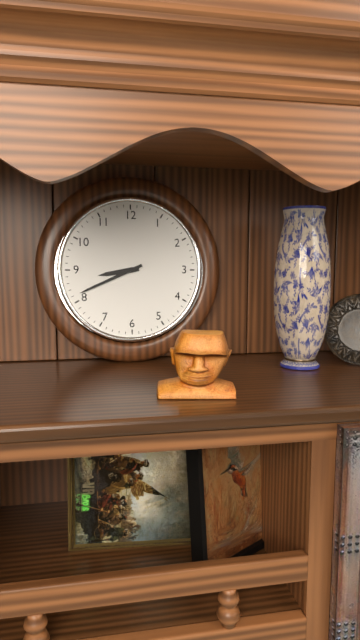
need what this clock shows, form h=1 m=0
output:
h=8 m=41
